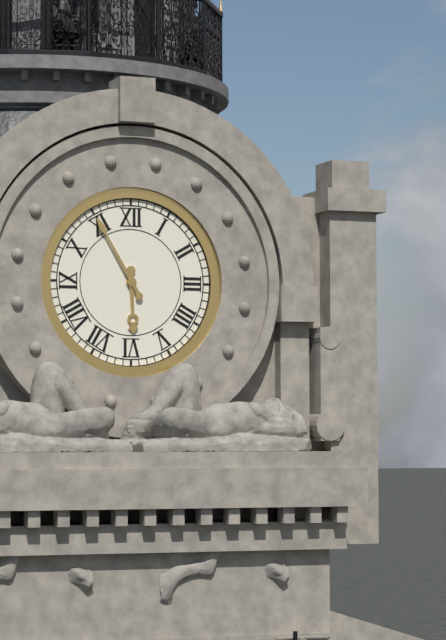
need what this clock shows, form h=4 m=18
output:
h=5 m=55
